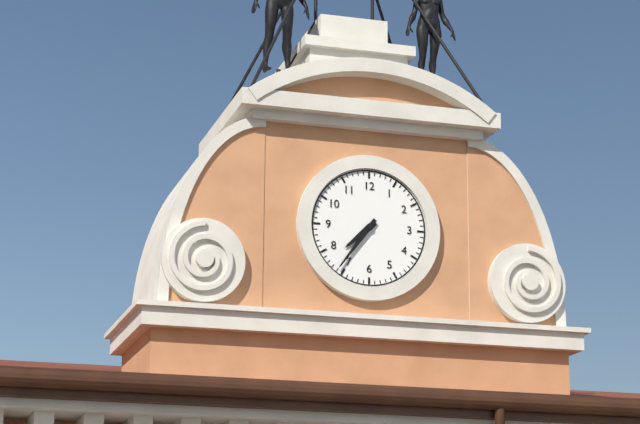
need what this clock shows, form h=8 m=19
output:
h=7 m=36
